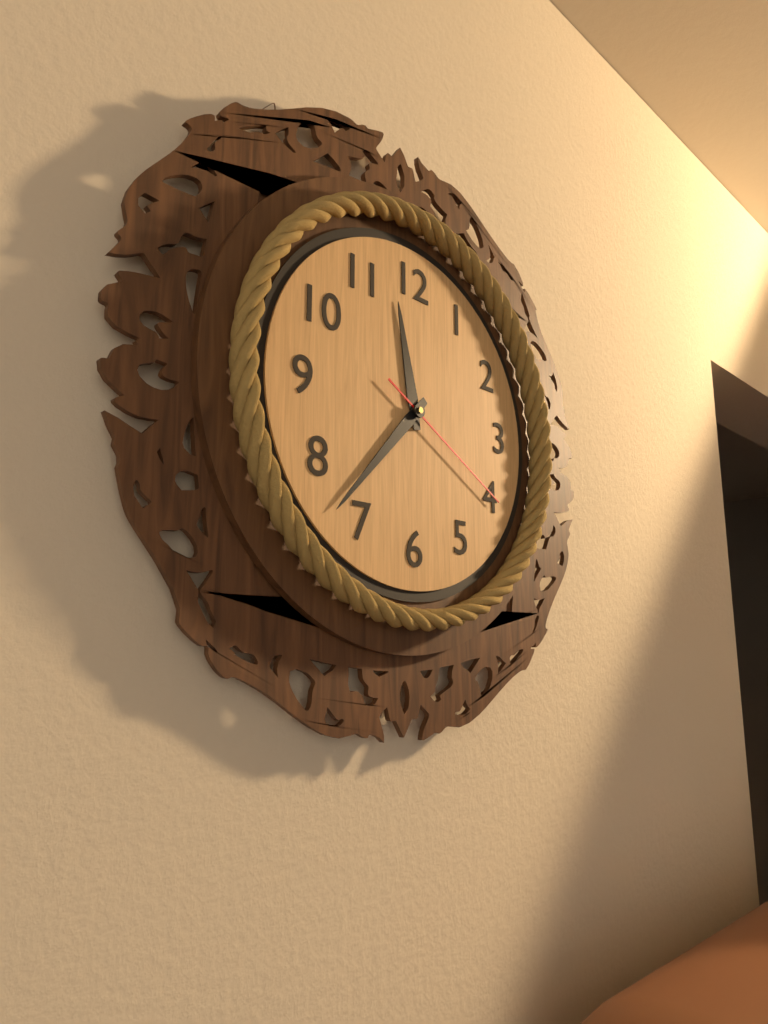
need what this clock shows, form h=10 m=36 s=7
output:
h=11 m=37 s=20
